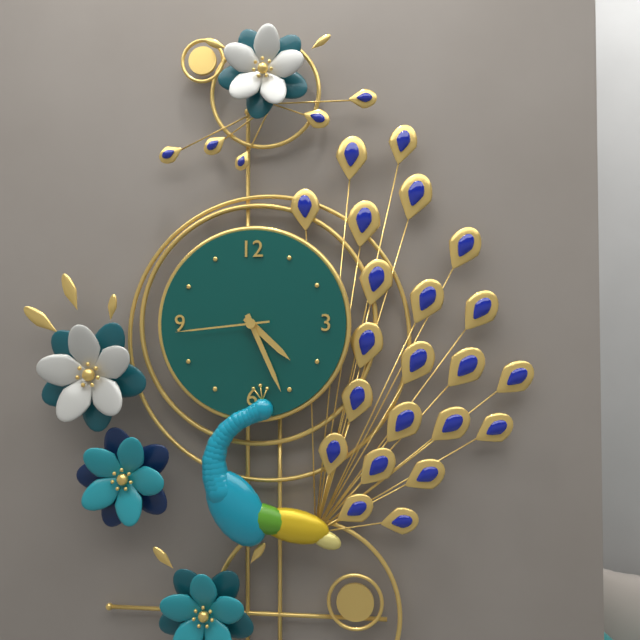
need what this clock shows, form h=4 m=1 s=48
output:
h=4 m=26 s=44
